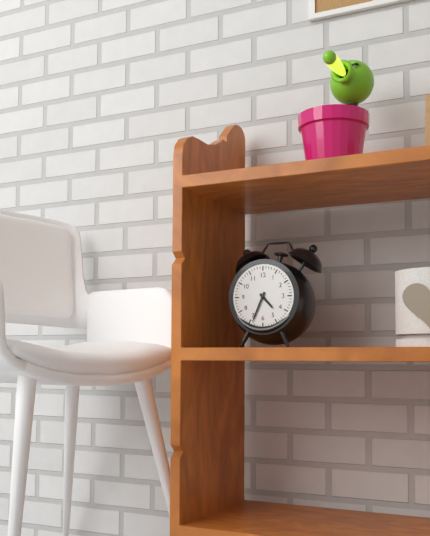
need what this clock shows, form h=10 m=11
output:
h=4 m=34
